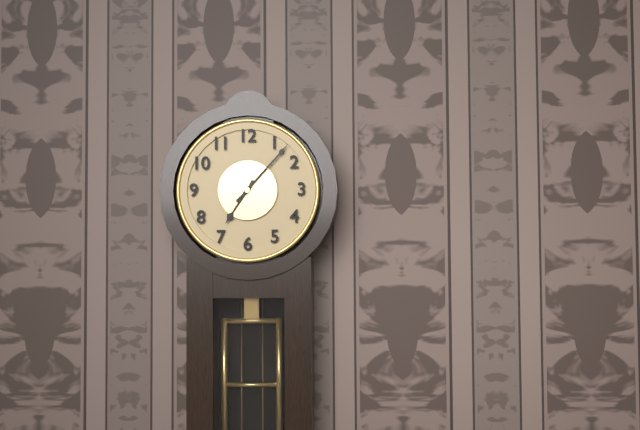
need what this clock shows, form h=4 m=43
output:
h=7 m=7
